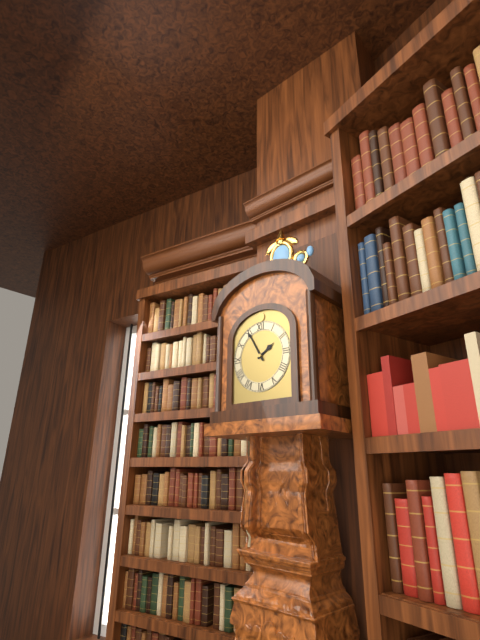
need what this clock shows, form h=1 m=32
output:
h=1 m=55
